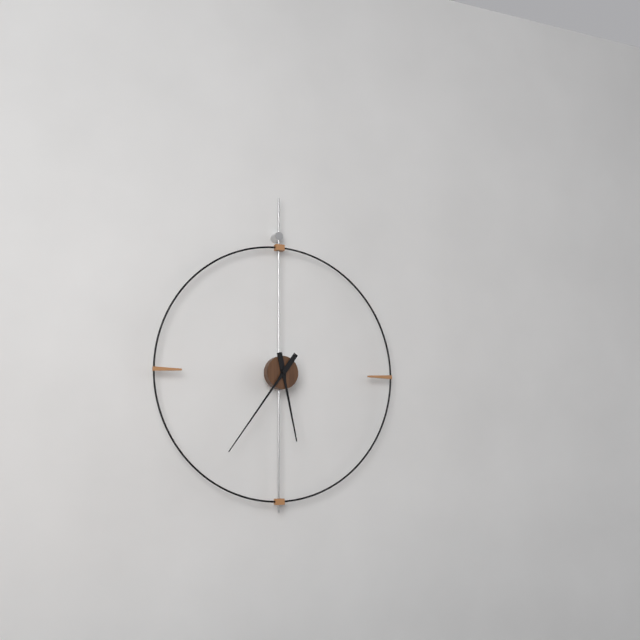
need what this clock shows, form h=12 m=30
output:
h=5 m=36
